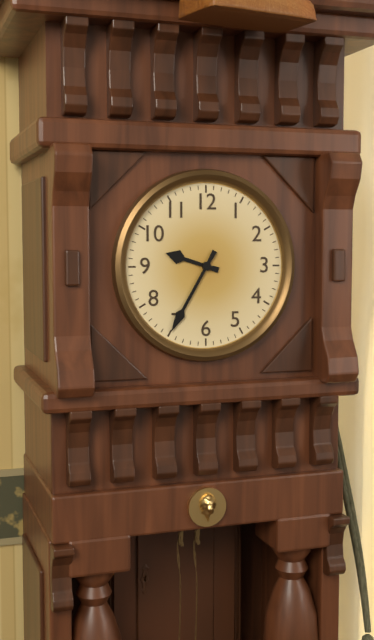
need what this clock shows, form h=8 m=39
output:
h=9 m=35
